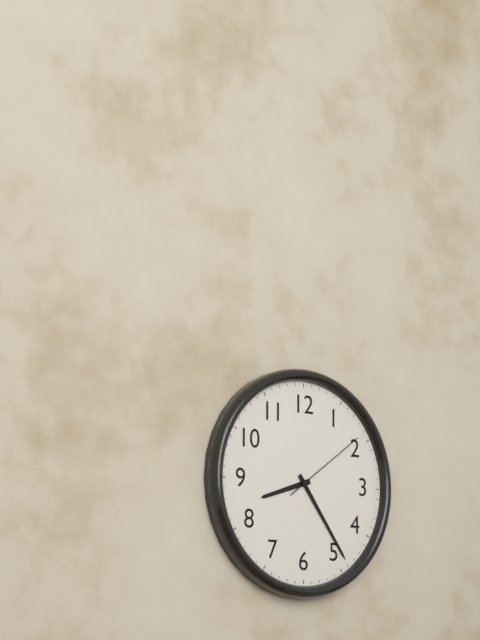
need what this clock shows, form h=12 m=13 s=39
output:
h=8 m=24 s=9
